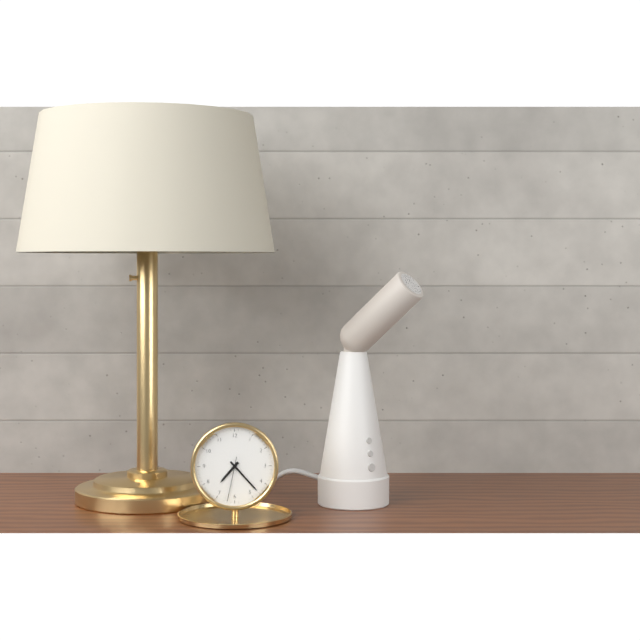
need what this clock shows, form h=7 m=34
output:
h=7 m=23
